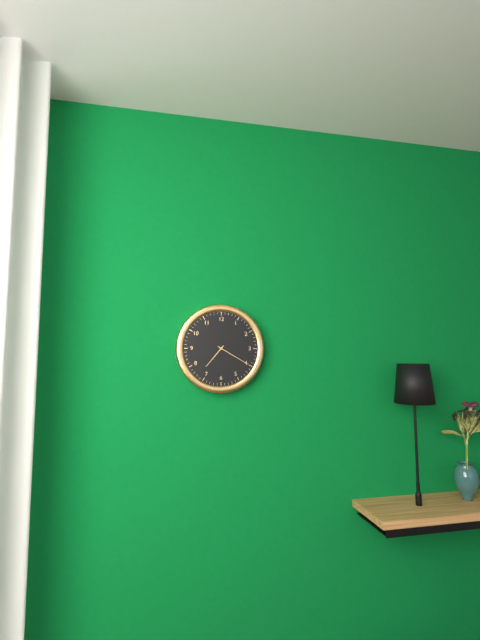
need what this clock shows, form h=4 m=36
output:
h=7 m=20
